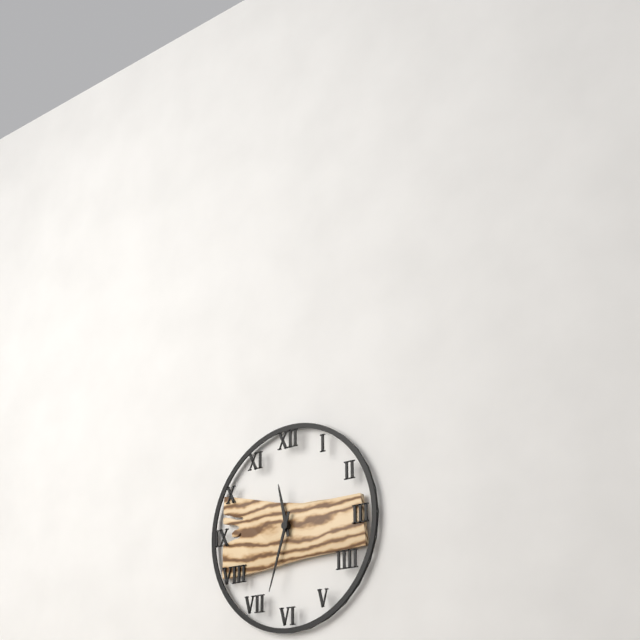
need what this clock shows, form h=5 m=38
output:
h=11 m=33
